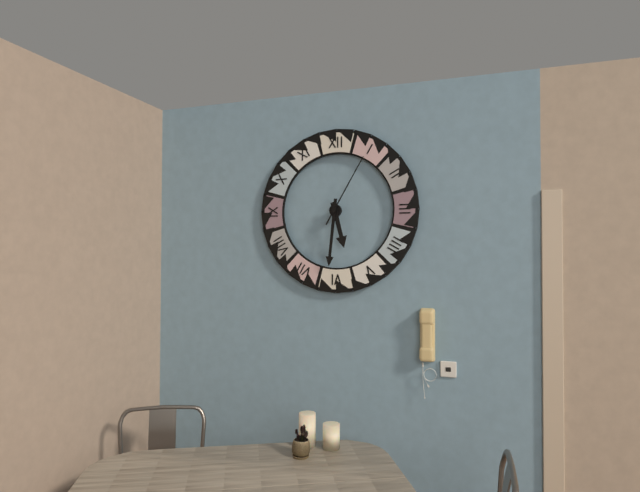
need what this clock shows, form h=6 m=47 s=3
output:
h=5 m=31 s=5
